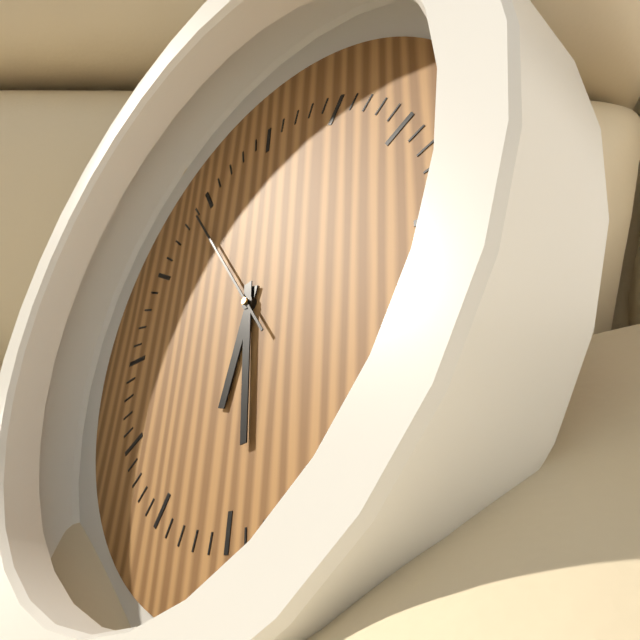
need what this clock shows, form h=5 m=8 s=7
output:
h=6 m=29 s=54
